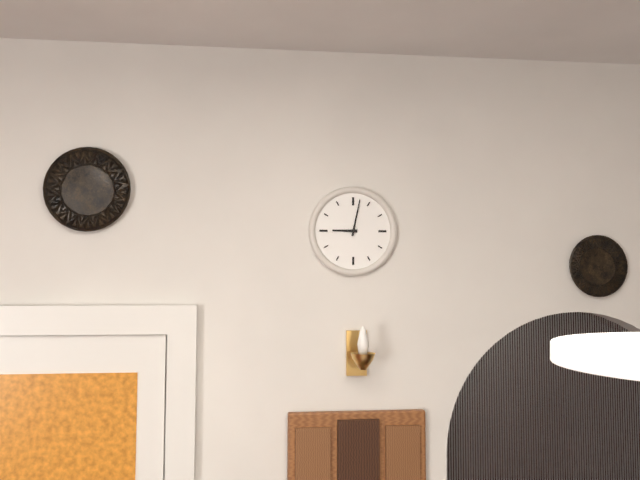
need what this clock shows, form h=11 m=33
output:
h=9 m=2
